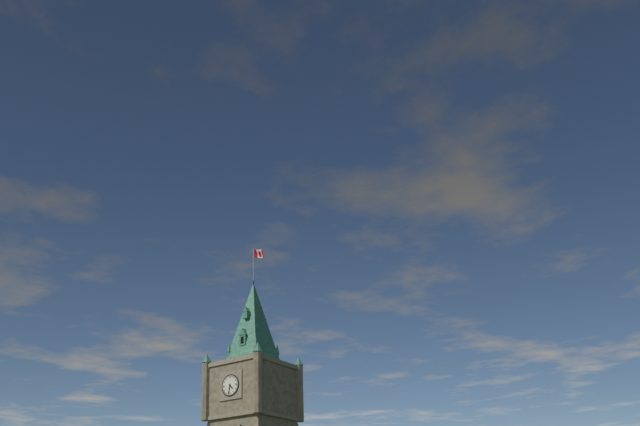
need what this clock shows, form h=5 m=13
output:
h=4 m=32
